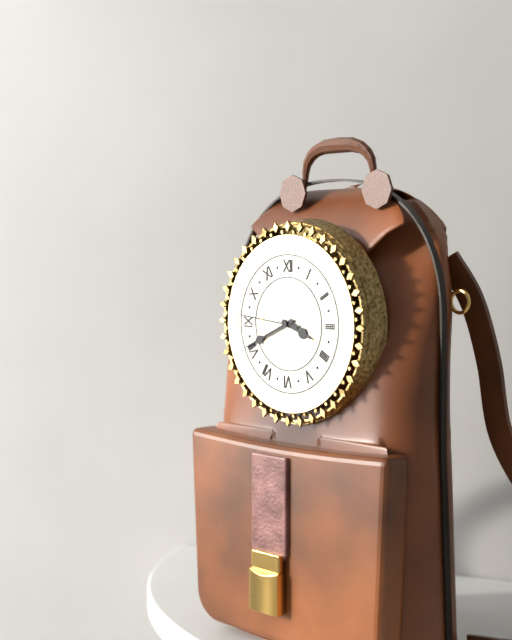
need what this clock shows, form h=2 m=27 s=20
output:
h=3 m=41 s=46
